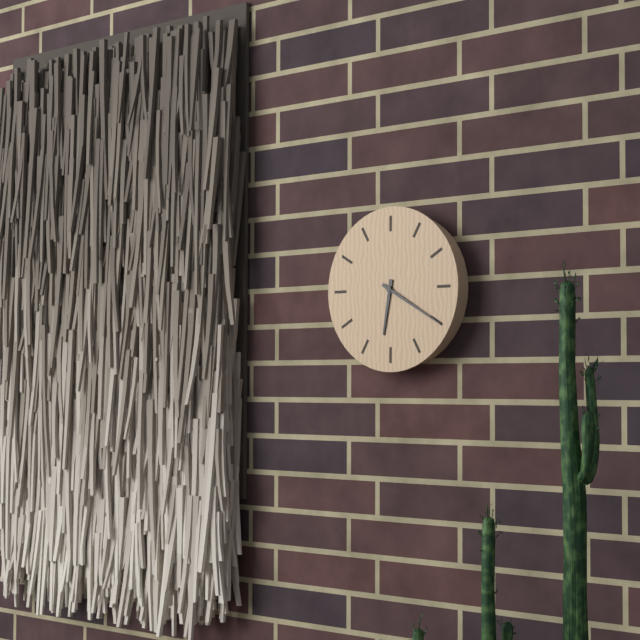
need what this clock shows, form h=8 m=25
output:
h=6 m=20
